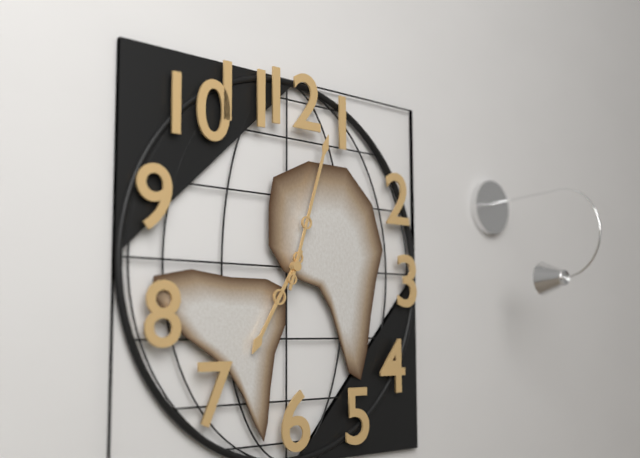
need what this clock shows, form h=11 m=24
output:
h=7 m=3
